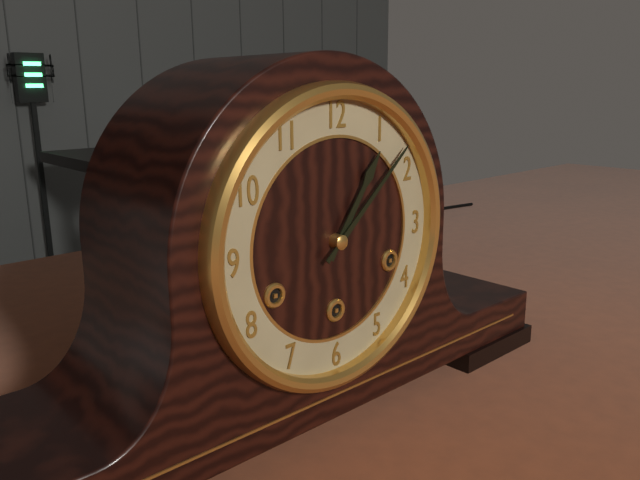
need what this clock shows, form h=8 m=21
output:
h=1 m=8
